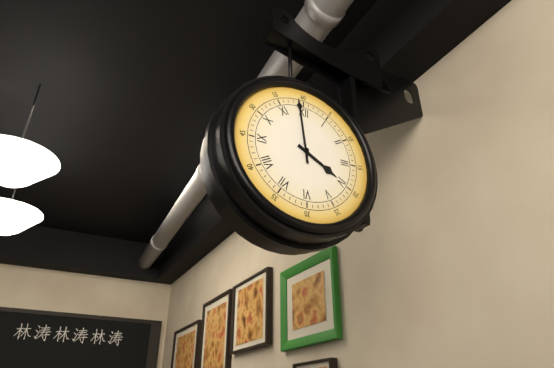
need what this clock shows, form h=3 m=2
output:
h=3 m=59
